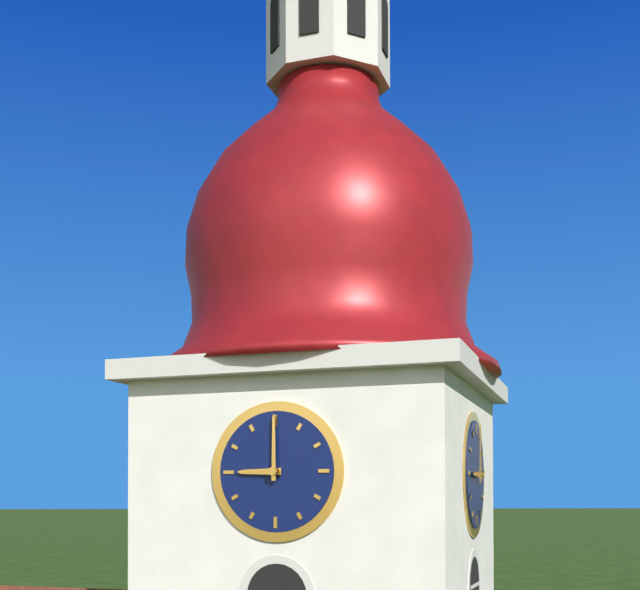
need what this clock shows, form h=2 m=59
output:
h=9 m=0
